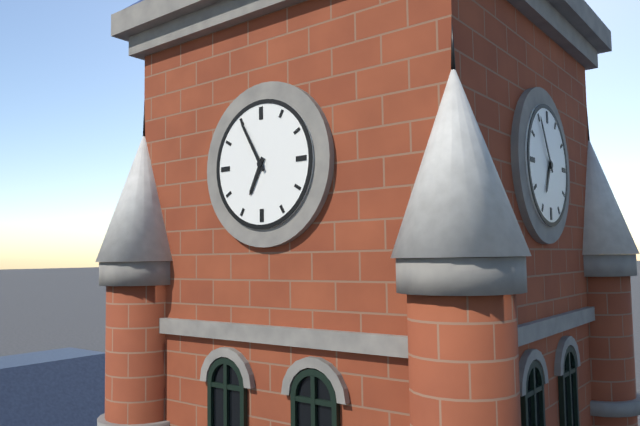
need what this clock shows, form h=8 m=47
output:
h=6 m=55
